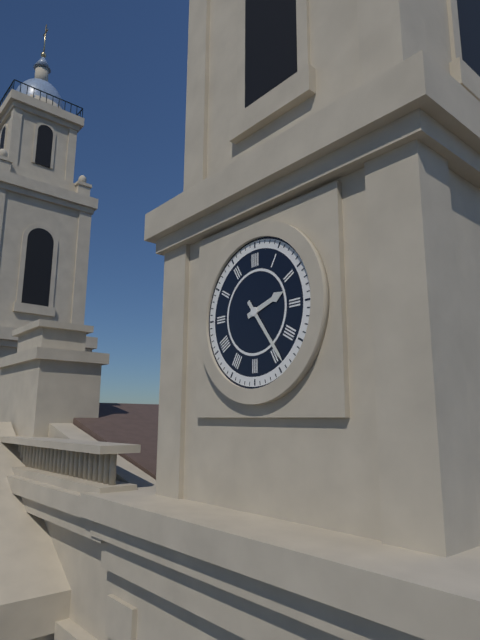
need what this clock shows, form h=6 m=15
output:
h=2 m=24
